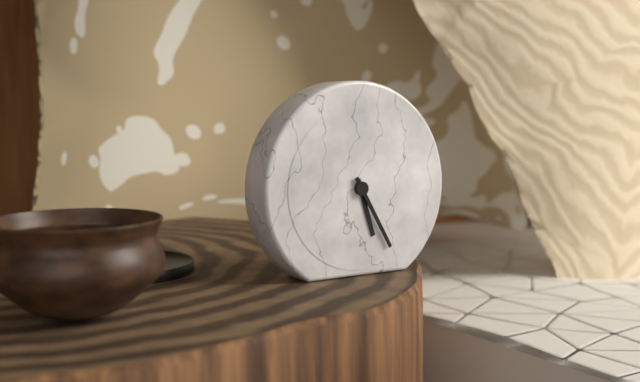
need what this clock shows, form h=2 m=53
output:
h=5 m=25
